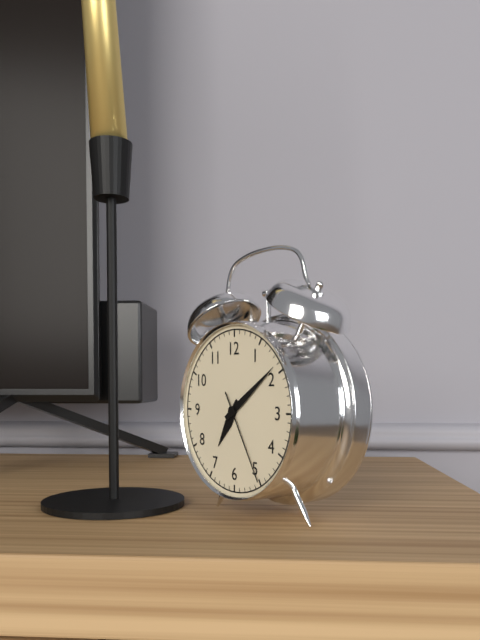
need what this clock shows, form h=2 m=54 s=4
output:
h=7 m=9 s=25
